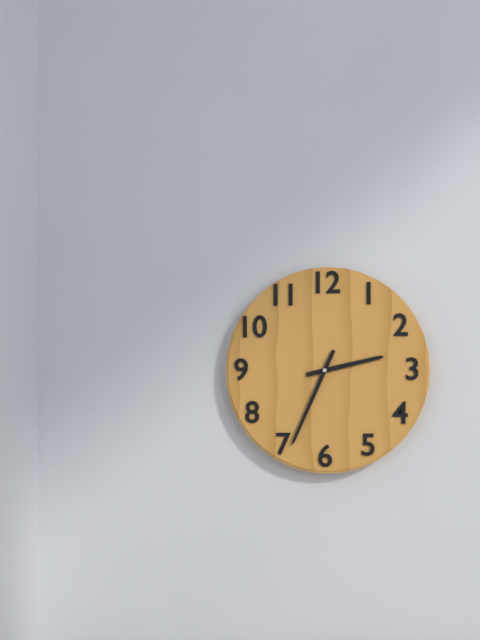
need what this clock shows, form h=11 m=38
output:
h=2 m=34
